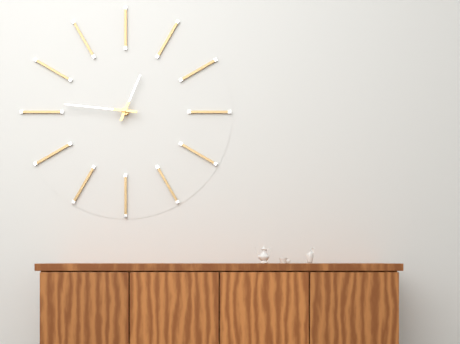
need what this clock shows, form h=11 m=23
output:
h=12 m=46
